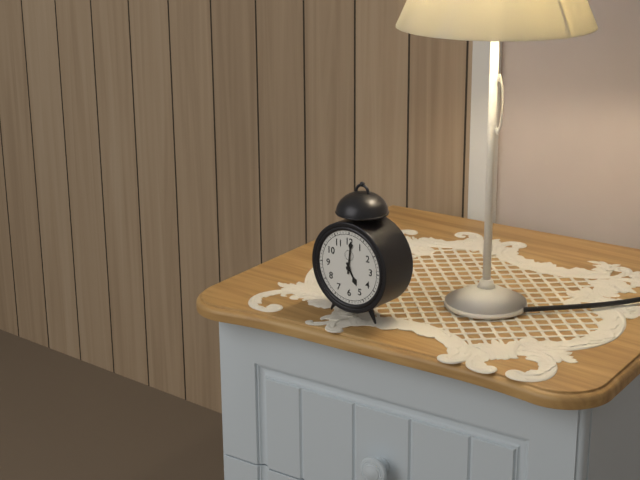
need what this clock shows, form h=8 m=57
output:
h=5 m=1
